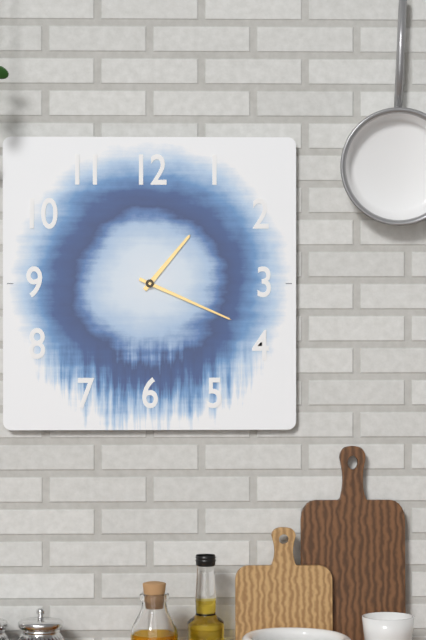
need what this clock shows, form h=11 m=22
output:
h=1 m=19
